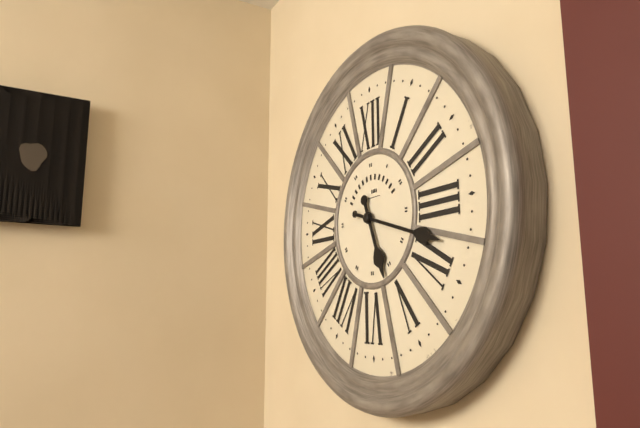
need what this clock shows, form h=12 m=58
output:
h=5 m=18
